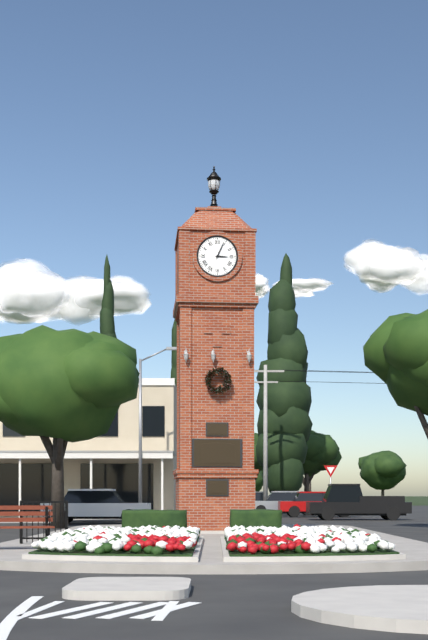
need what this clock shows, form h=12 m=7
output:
h=3 m=4
